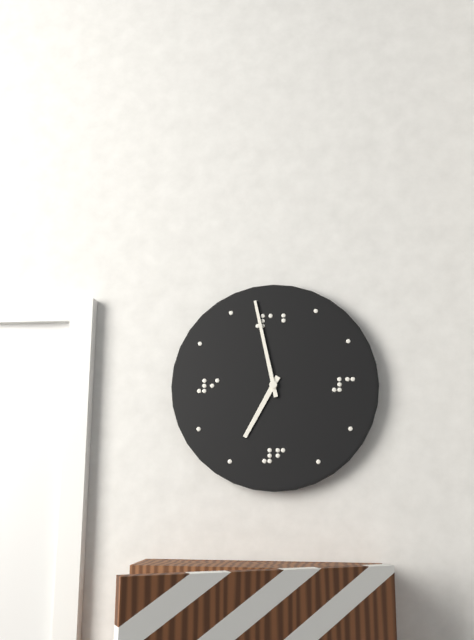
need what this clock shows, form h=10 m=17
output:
h=6 m=58
